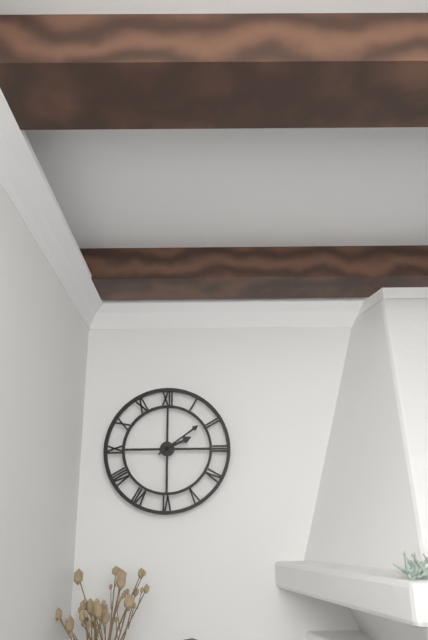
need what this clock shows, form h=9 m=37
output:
h=2 m=9
